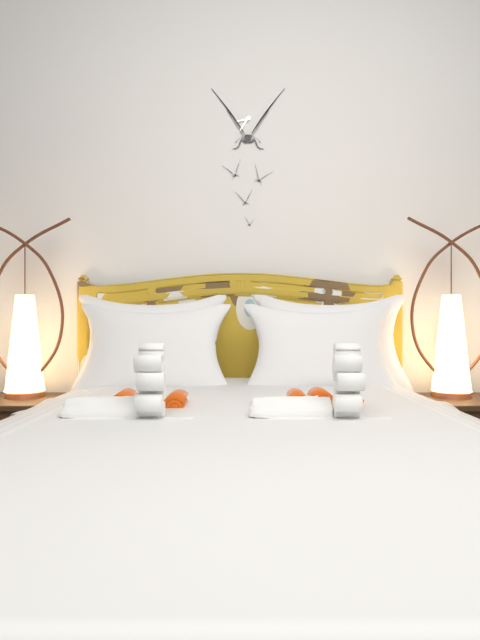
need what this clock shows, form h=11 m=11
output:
h=8 m=36
